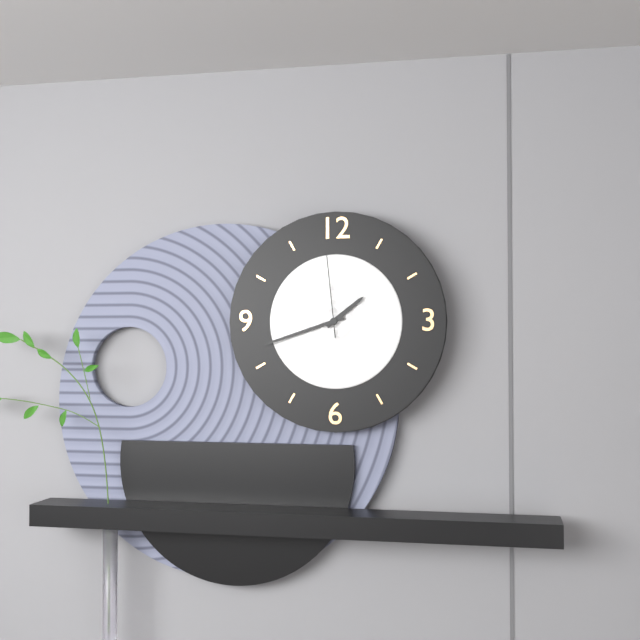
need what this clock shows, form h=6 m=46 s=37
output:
h=1 m=42 s=59
